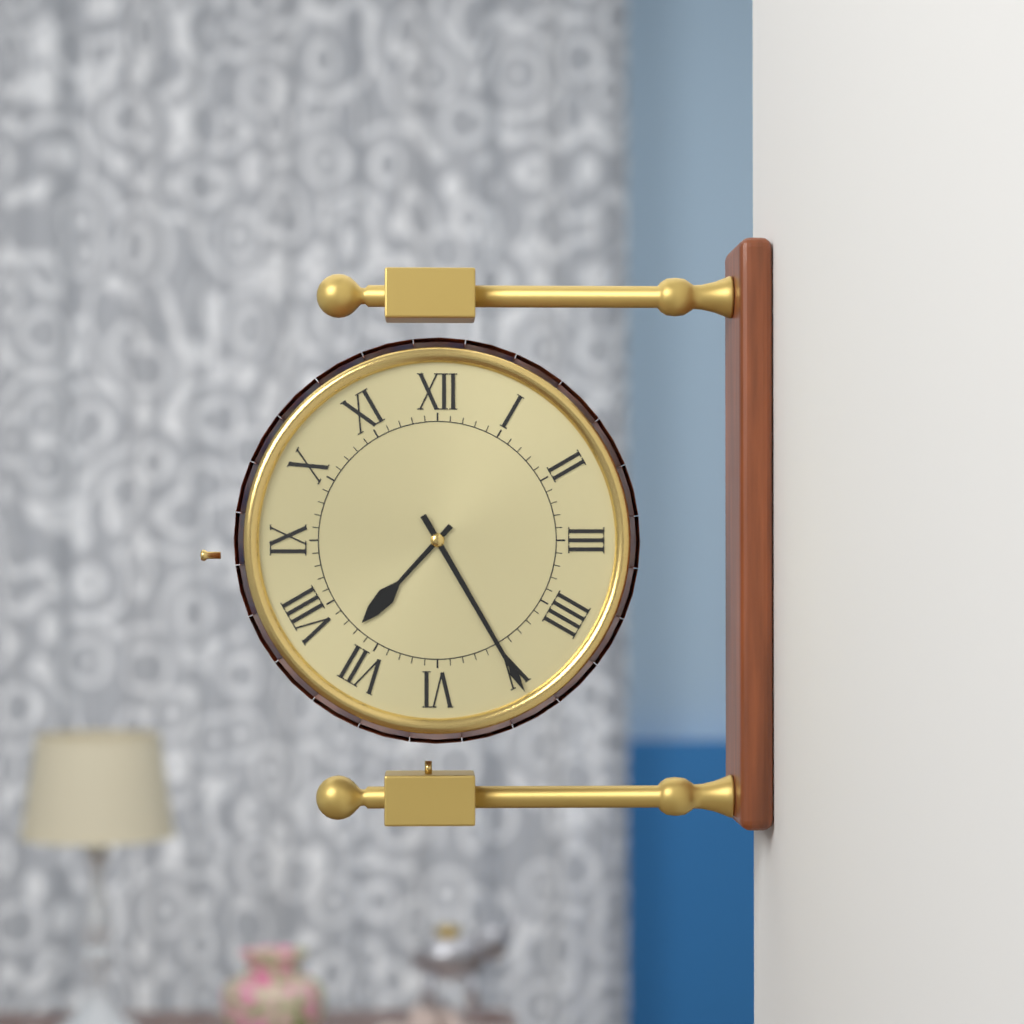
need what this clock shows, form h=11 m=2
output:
h=7 m=25
